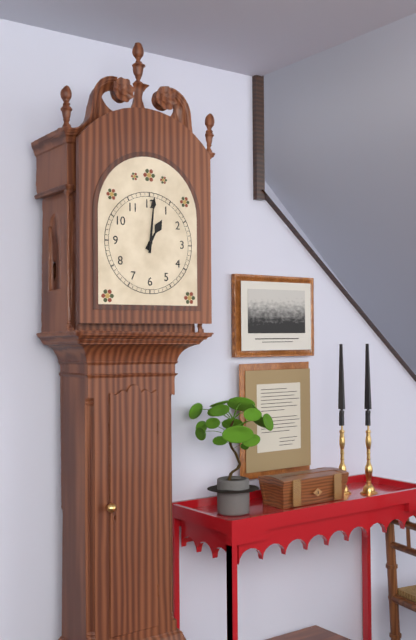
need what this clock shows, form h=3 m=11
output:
h=1 m=1
